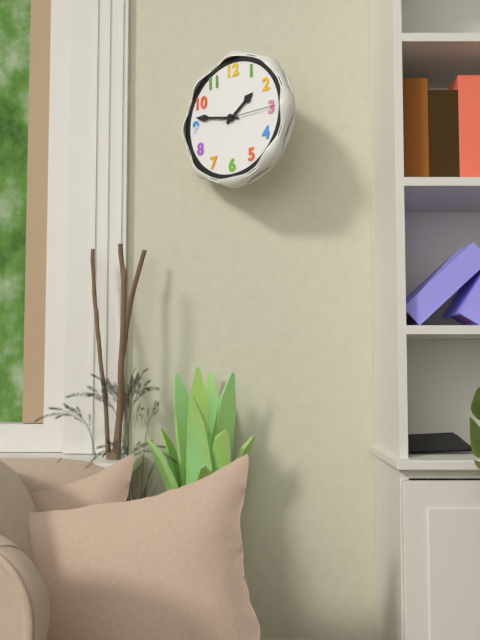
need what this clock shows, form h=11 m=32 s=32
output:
h=1 m=47 s=15
